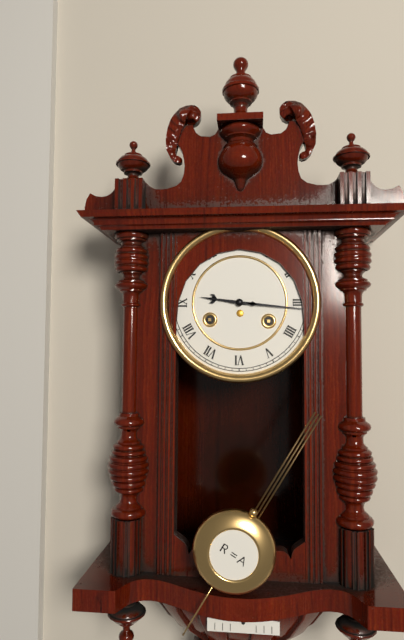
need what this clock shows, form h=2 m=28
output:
h=9 m=16
